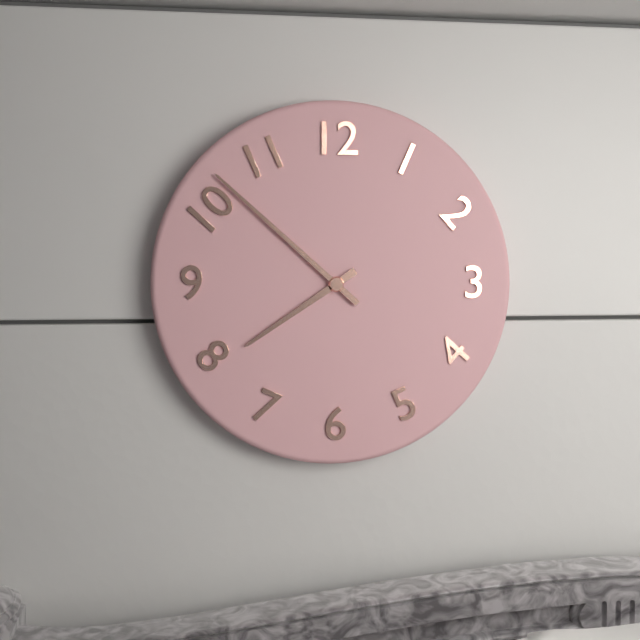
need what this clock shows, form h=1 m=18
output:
h=7 m=52
